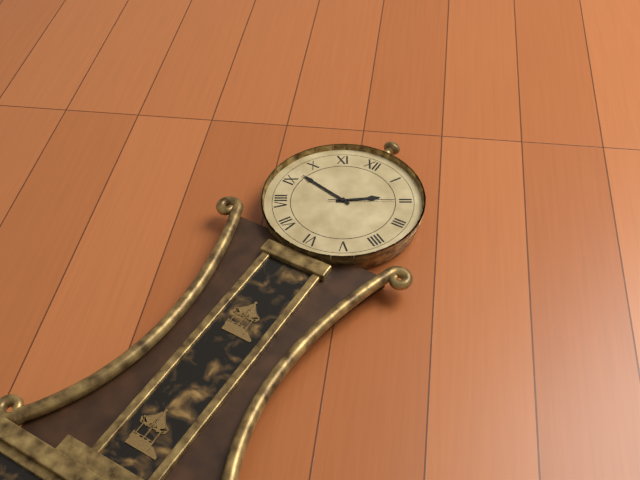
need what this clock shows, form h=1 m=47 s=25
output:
h=1 m=47 s=10
